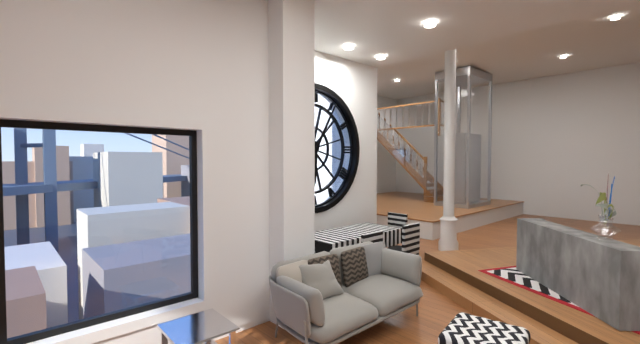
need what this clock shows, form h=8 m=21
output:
h=6 m=5
